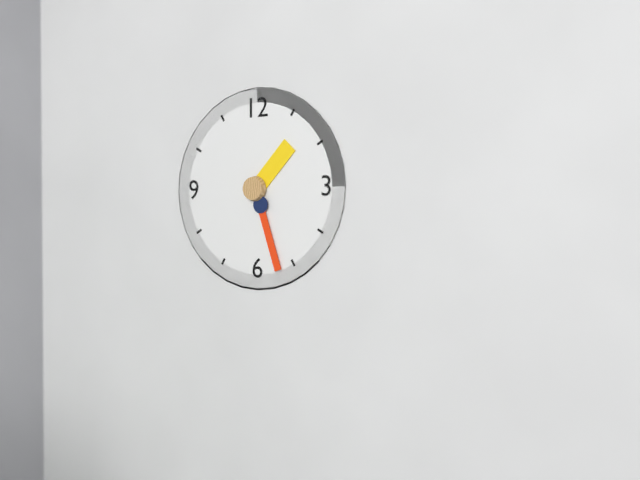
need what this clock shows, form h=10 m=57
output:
h=1 m=27
